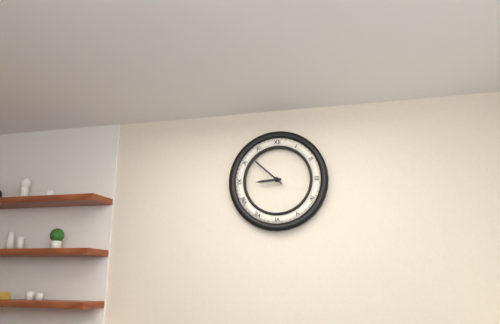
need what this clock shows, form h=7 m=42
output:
h=8 m=52
